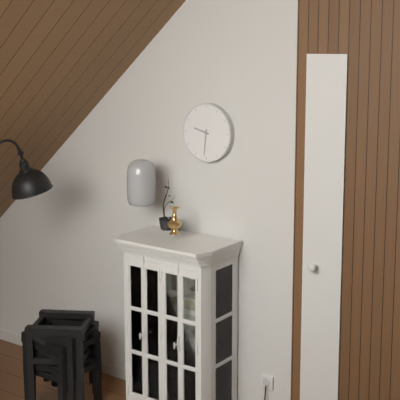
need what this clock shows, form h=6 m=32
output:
h=9 m=31
